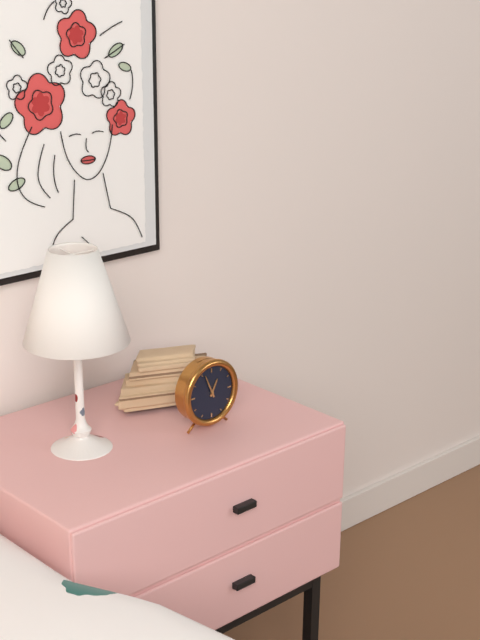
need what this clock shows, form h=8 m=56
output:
h=12 m=56
